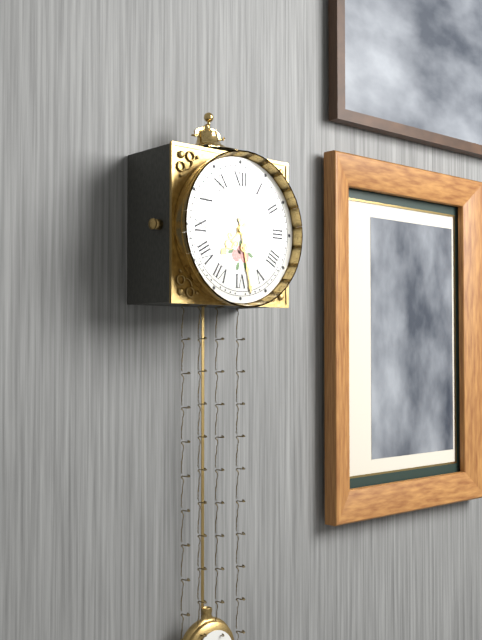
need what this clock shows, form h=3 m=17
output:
h=7 m=28
